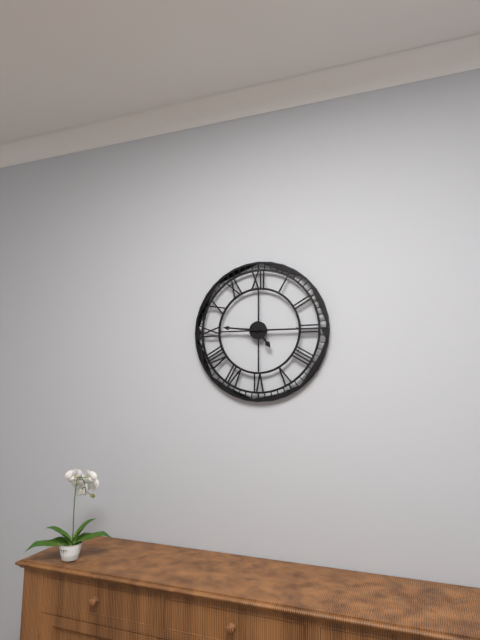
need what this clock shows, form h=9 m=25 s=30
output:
h=4 m=46 s=15
